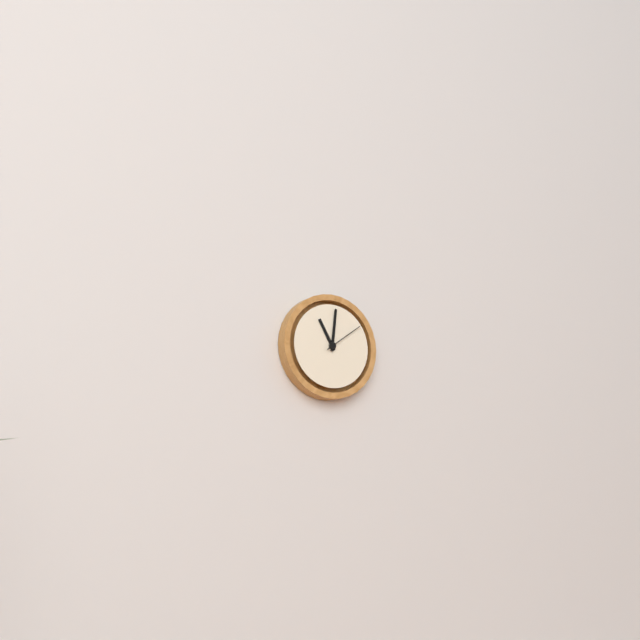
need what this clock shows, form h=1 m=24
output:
h=11 m=1
